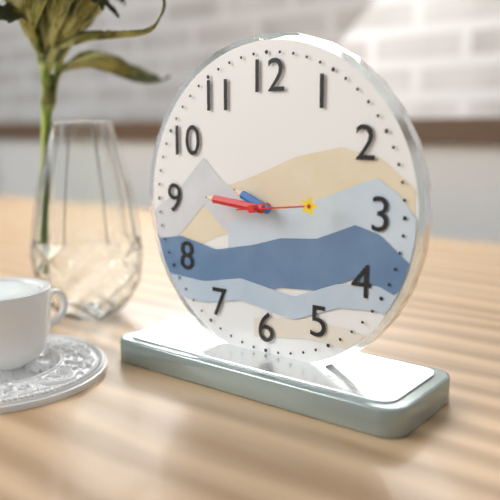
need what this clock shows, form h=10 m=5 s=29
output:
h=9 m=46 s=14
